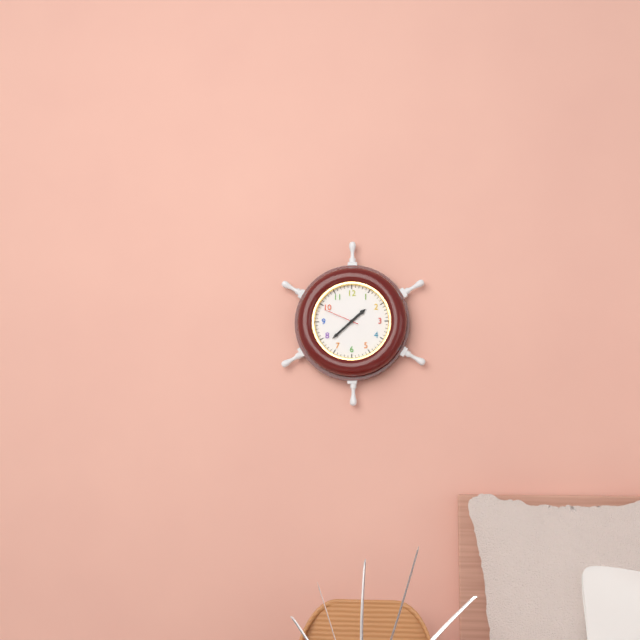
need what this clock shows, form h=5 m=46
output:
h=1 m=38
